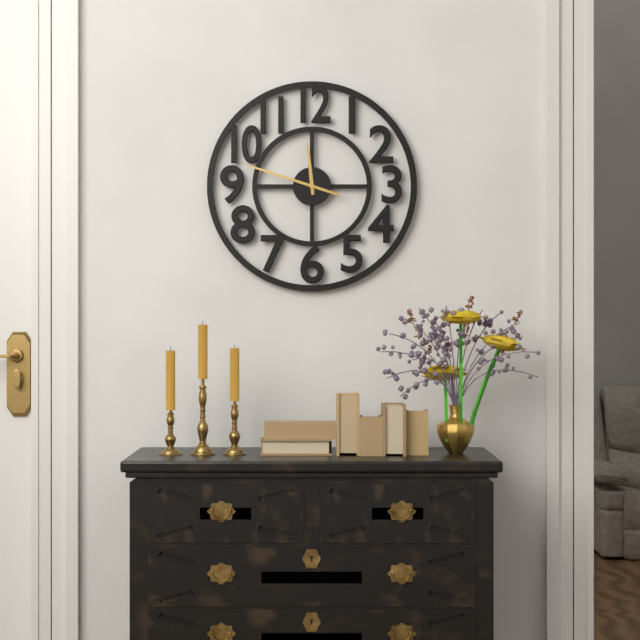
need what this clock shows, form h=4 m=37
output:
h=11 m=48
